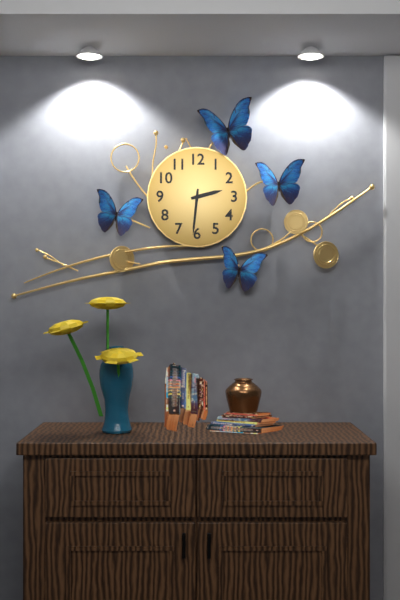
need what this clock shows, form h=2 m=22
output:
h=2 m=31
